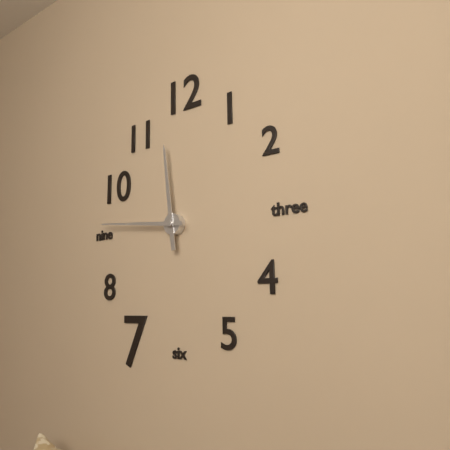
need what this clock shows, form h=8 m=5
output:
h=11 m=46
